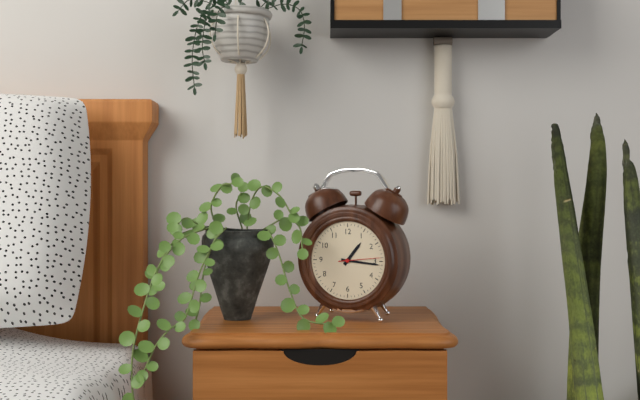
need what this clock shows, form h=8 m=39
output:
h=1 m=16
